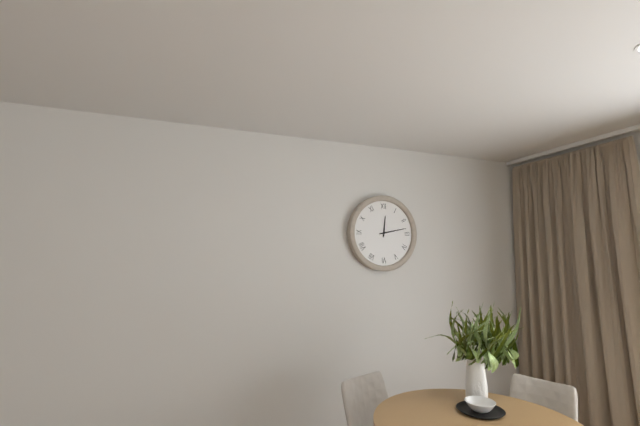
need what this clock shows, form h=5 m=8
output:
h=12 m=13
